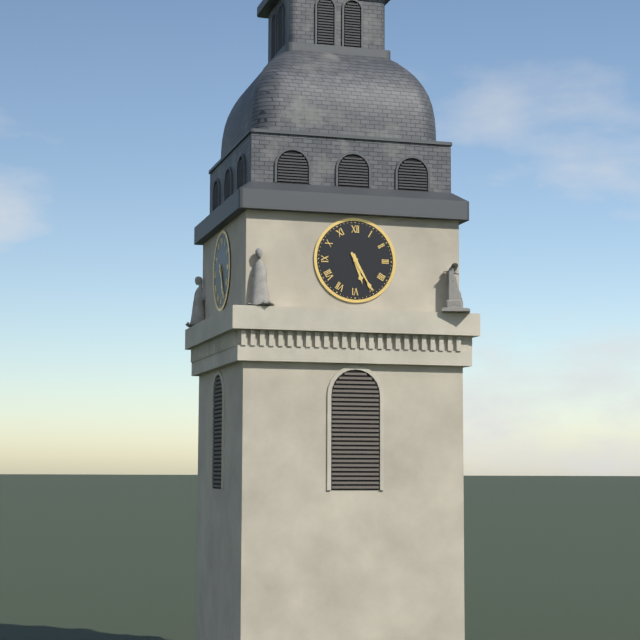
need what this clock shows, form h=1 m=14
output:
h=5 m=25
